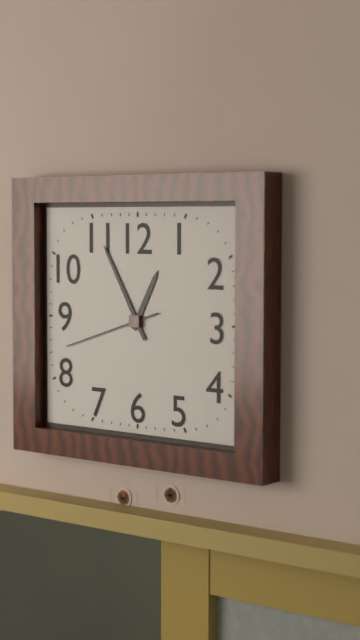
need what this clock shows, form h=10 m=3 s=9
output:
h=12 m=55 s=42
